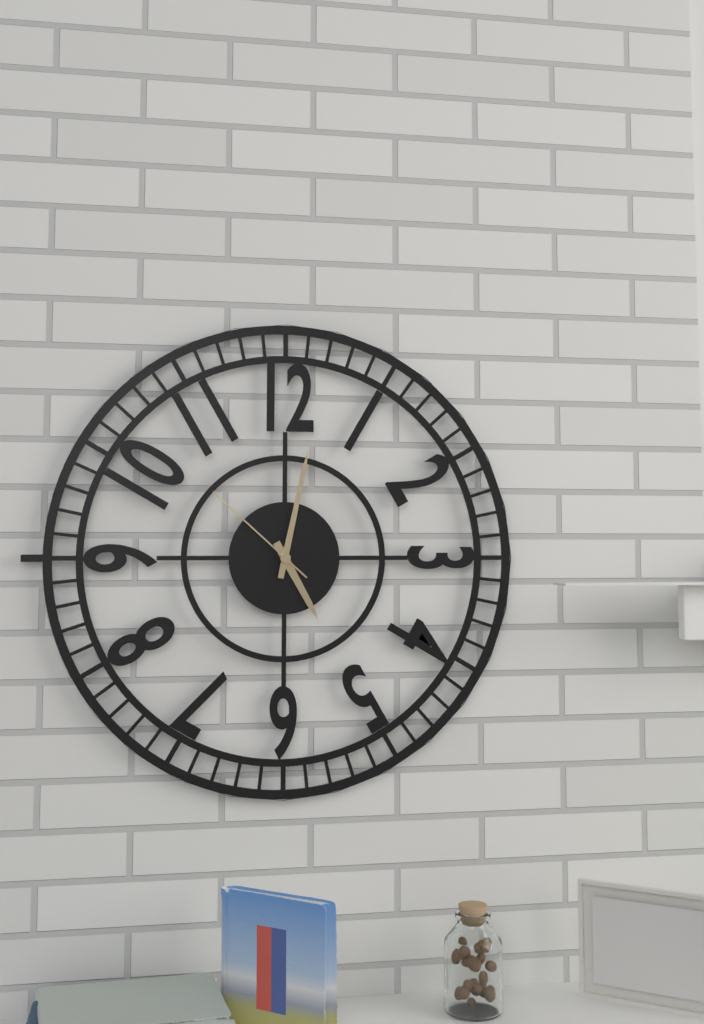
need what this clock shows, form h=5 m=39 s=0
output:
h=5 m=2 s=52
